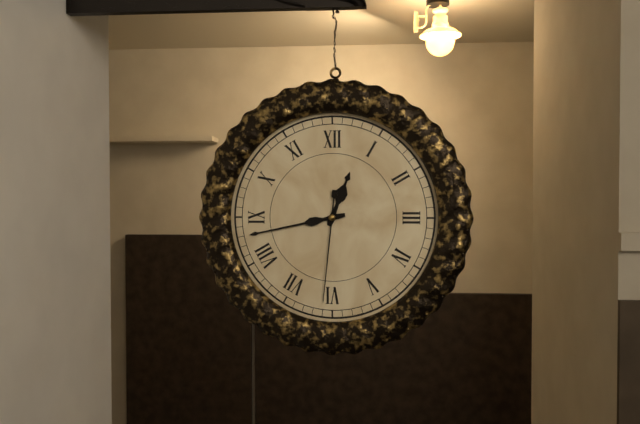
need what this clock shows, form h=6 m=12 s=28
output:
h=12 m=43 s=31
